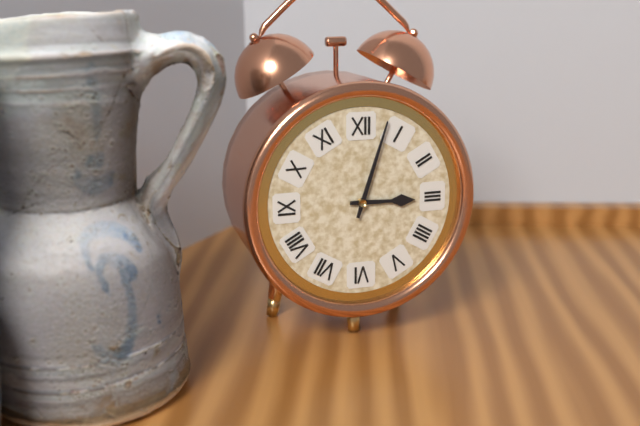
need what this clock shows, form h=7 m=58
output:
h=3 m=3
